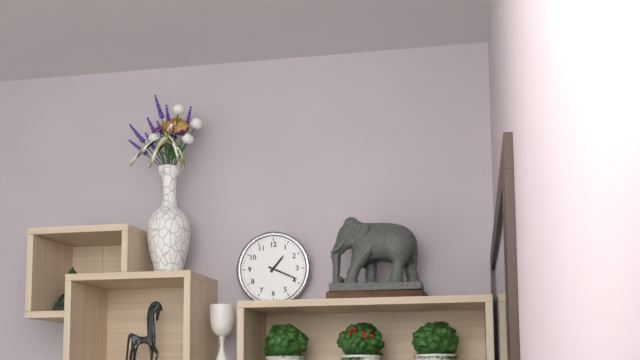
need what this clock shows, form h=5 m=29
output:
h=1 m=19
